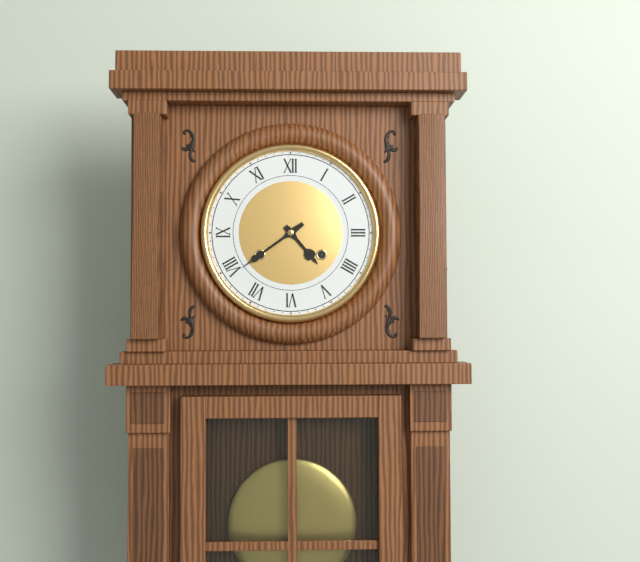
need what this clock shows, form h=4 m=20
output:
h=4 m=39
